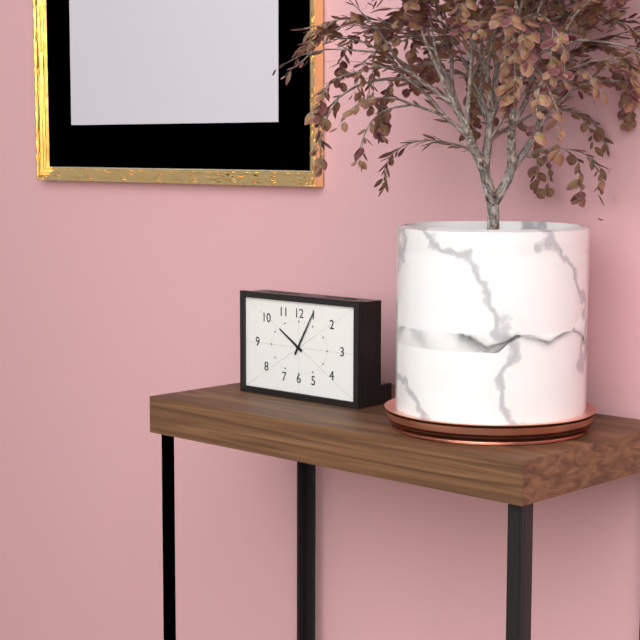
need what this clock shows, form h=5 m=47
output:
h=10 m=5
